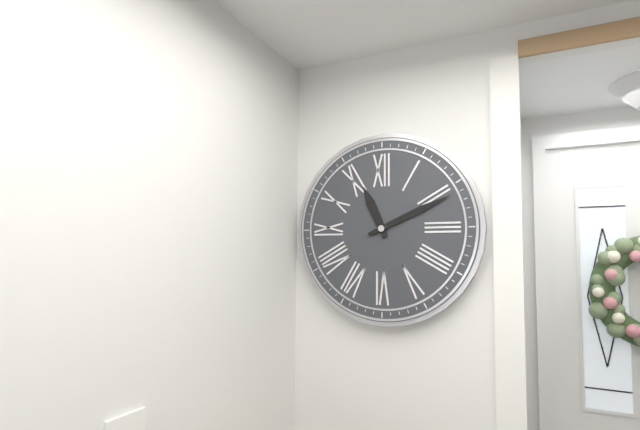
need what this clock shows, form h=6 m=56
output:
h=11 m=11
